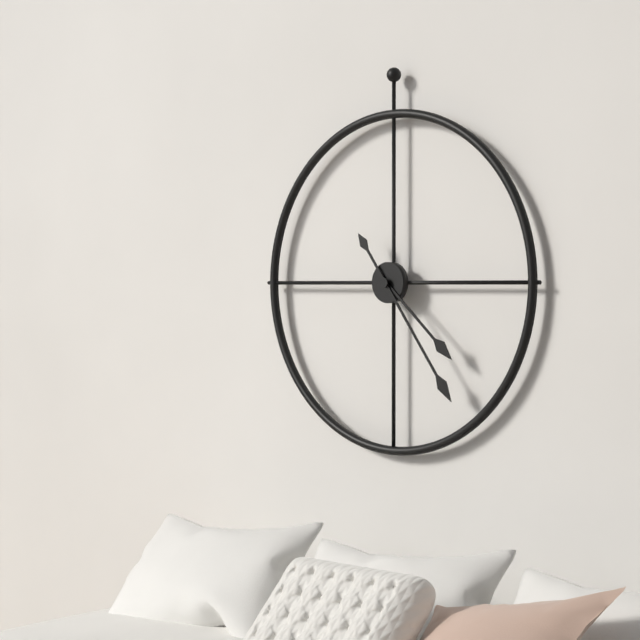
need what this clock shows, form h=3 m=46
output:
h=4 m=24
